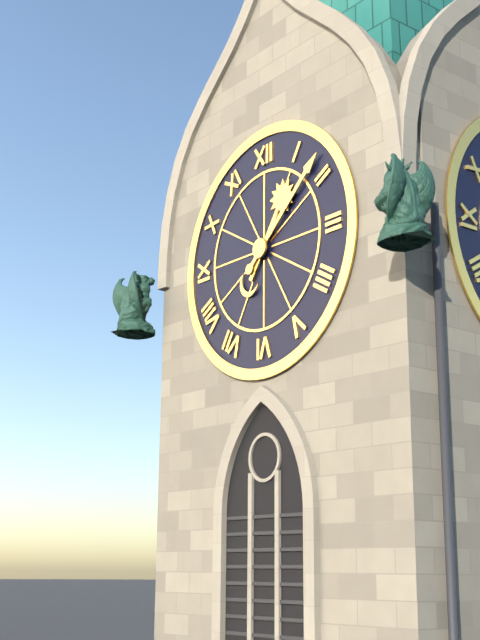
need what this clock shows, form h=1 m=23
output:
h=1 m=8
